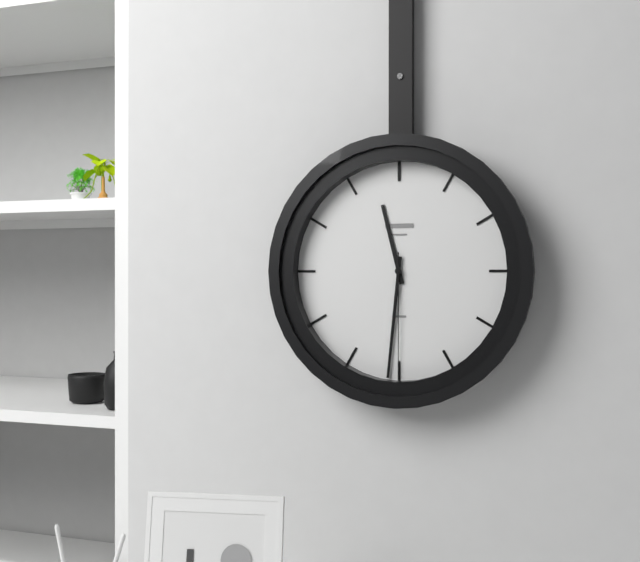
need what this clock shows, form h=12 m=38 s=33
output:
h=11 m=31 s=30
